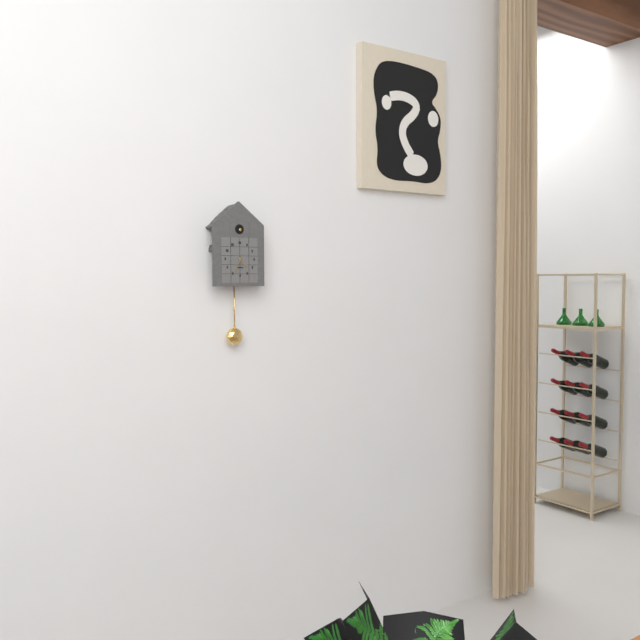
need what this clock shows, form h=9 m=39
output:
h=4 m=34
